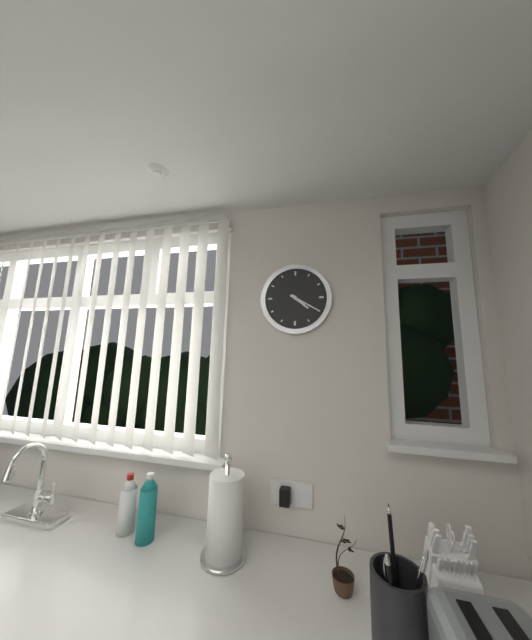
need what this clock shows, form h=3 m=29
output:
h=4 m=20
